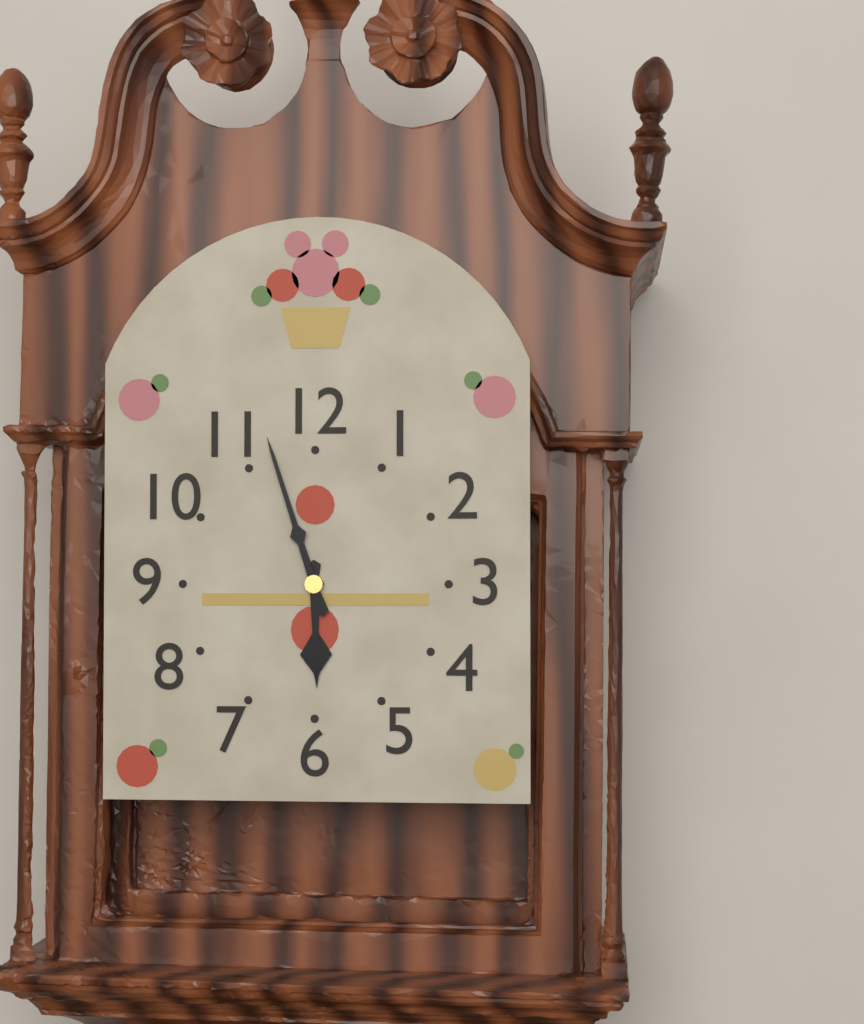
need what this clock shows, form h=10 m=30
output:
h=5 m=57
